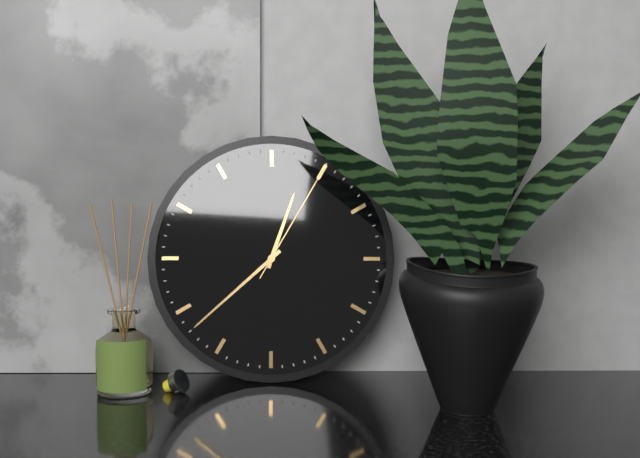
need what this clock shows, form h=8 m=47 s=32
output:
h=12 m=38 s=5
